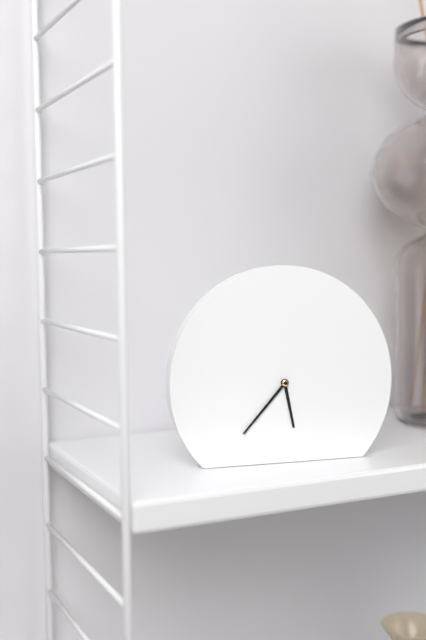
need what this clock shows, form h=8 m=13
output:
h=5 m=37
